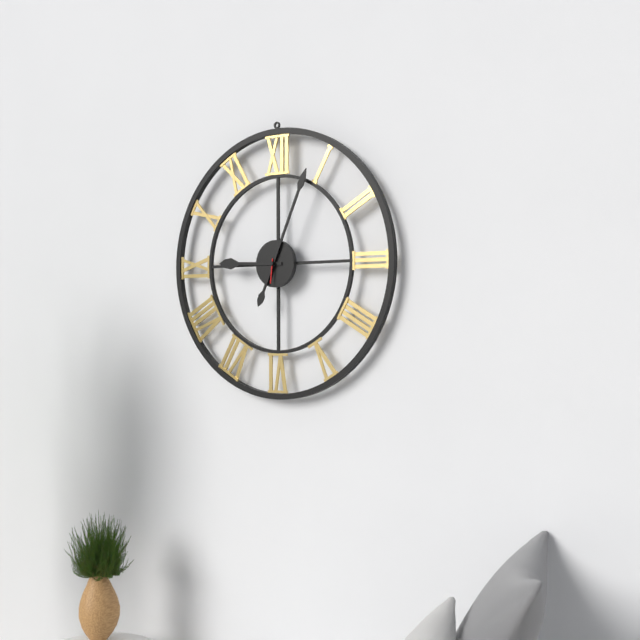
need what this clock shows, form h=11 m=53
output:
h=9 m=4
